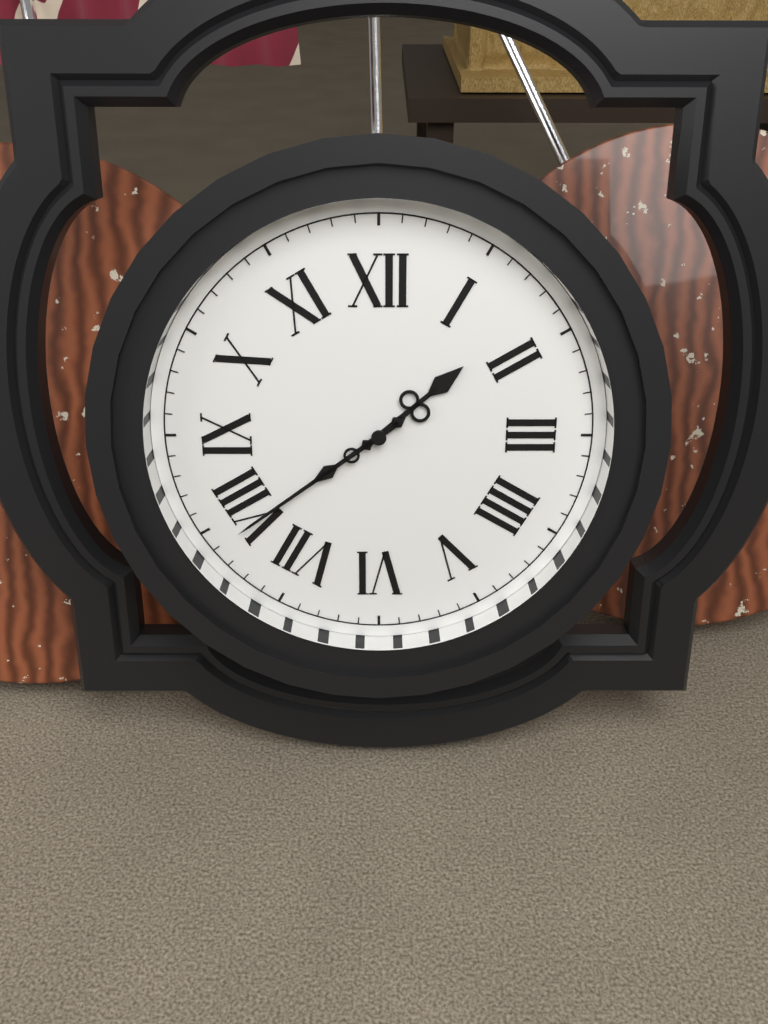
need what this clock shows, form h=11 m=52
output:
h=1 m=39
